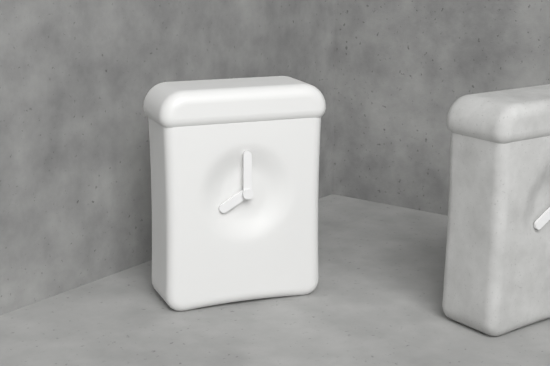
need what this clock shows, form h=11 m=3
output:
h=8 m=0
